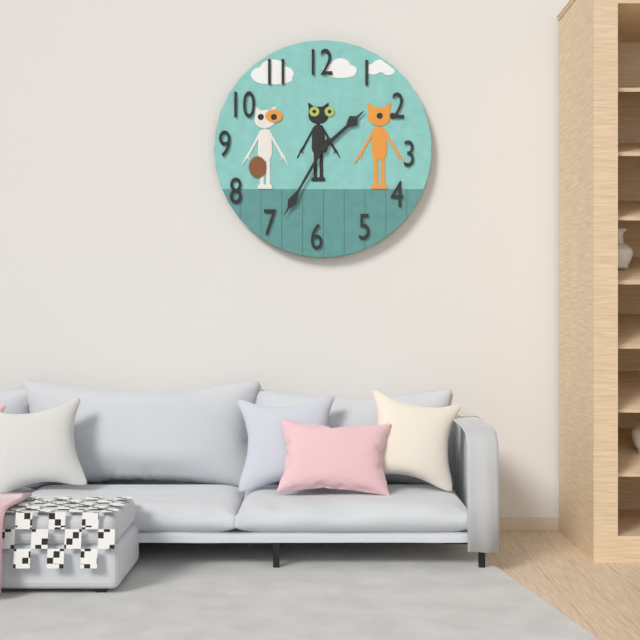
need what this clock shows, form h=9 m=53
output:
h=1 m=35
